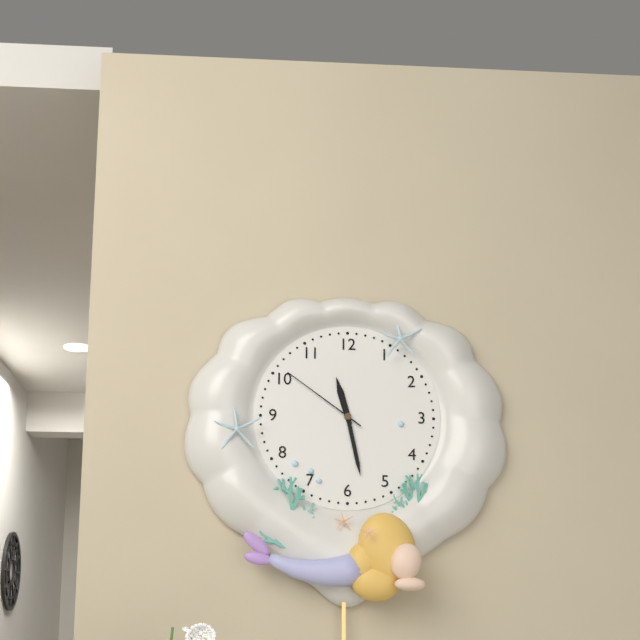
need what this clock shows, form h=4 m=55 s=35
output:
h=11 m=28 s=51
